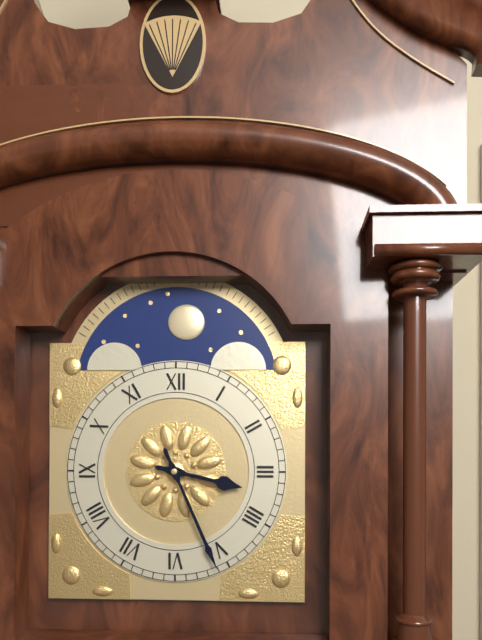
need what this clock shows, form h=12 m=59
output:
h=3 m=26
